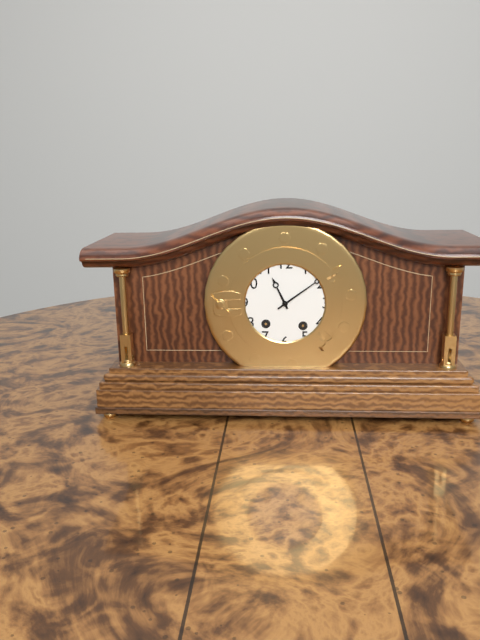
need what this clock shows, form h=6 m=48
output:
h=11 m=9
